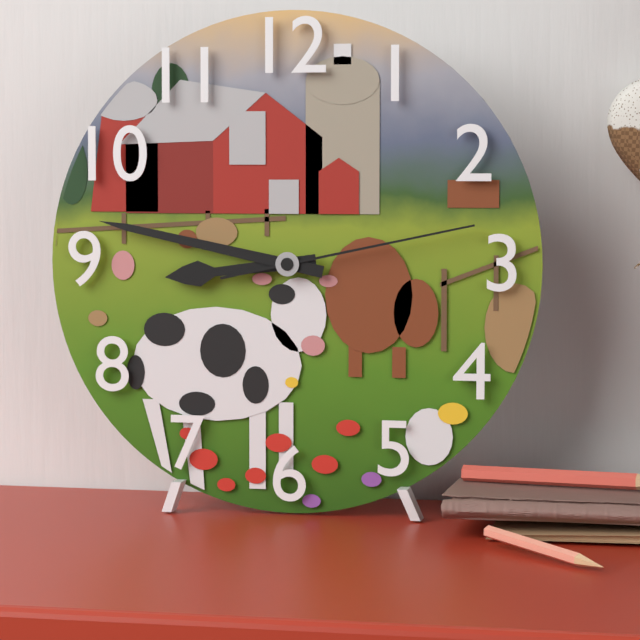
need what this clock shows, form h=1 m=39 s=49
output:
h=8 m=47 s=13
